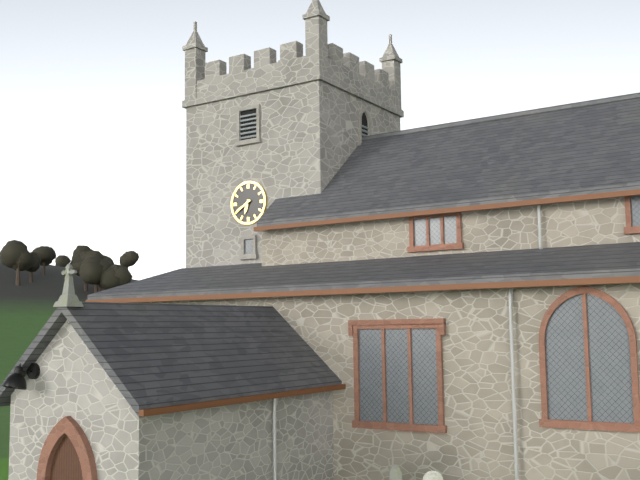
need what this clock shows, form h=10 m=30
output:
h=6 m=40
